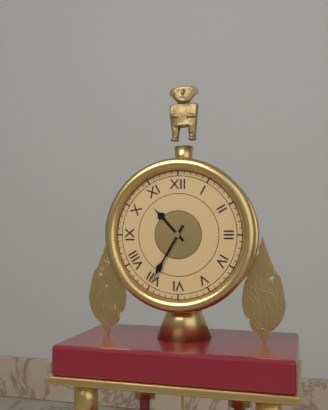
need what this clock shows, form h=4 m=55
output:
h=10 m=35
